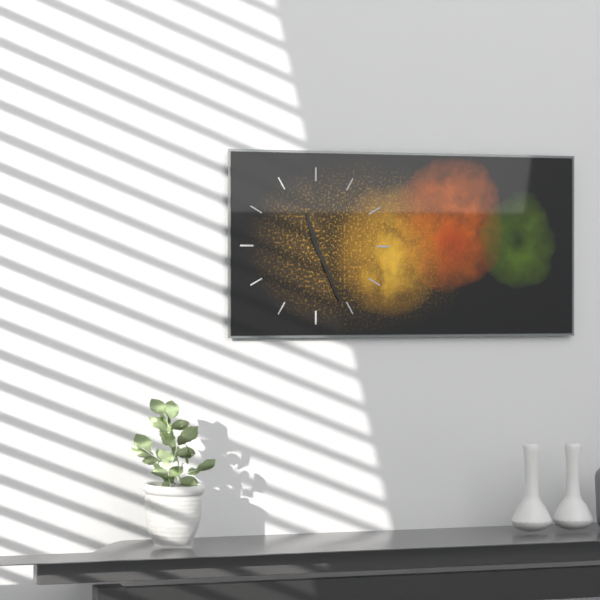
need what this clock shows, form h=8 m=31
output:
h=11 m=26
